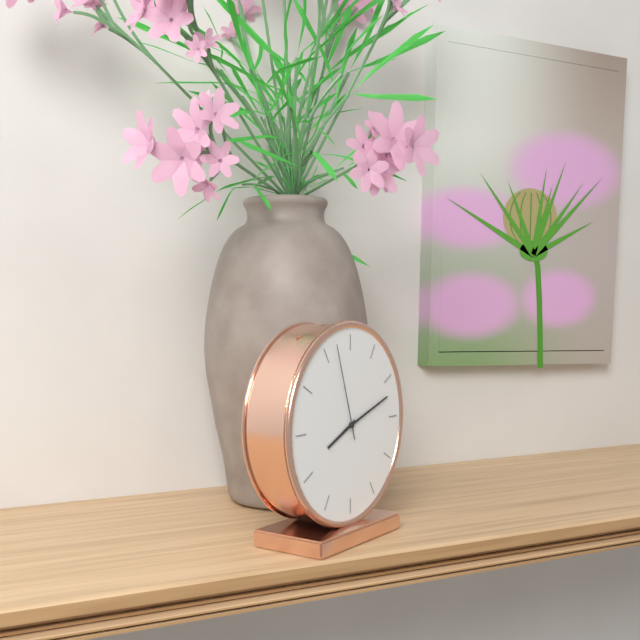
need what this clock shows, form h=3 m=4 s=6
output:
h=8 m=12 s=57
